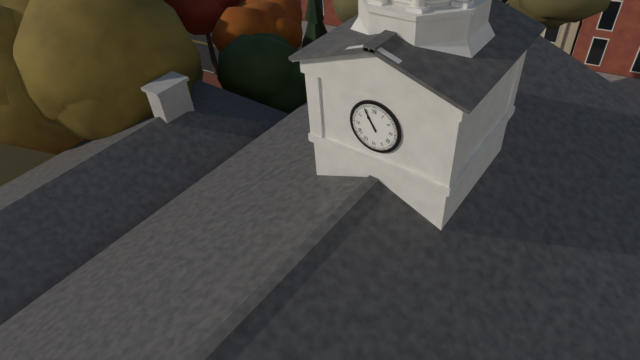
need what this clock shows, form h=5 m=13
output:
h=10 m=55
